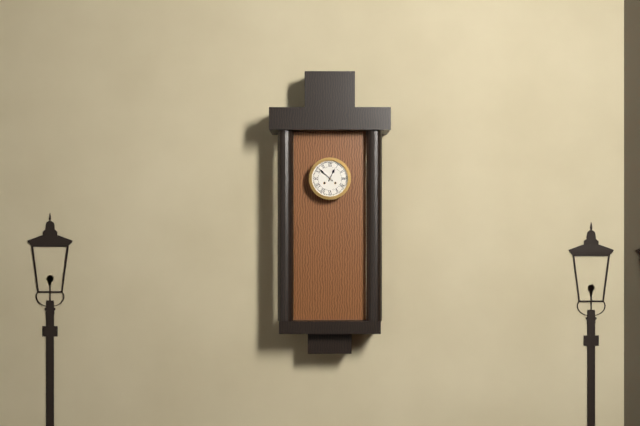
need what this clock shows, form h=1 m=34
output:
h=12 m=52
